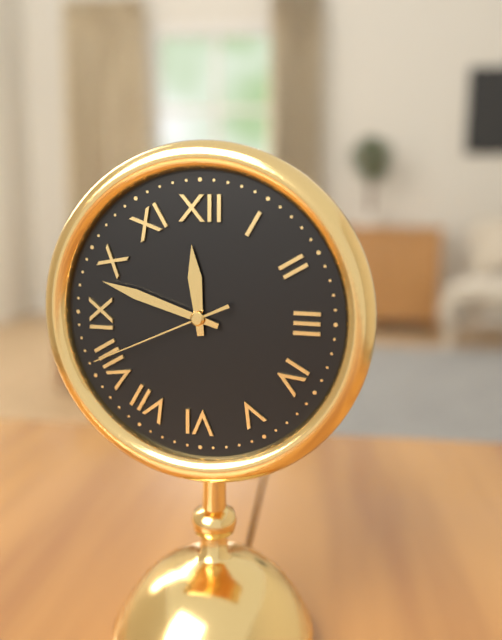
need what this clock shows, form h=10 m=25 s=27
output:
h=11 m=48 s=41
